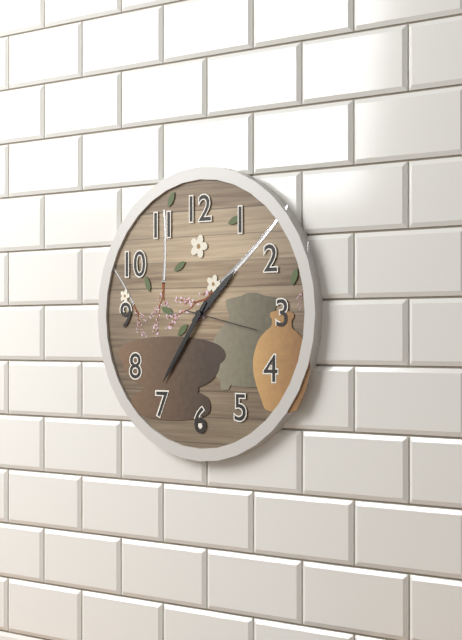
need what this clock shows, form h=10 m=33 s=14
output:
h=1 m=36 s=17
